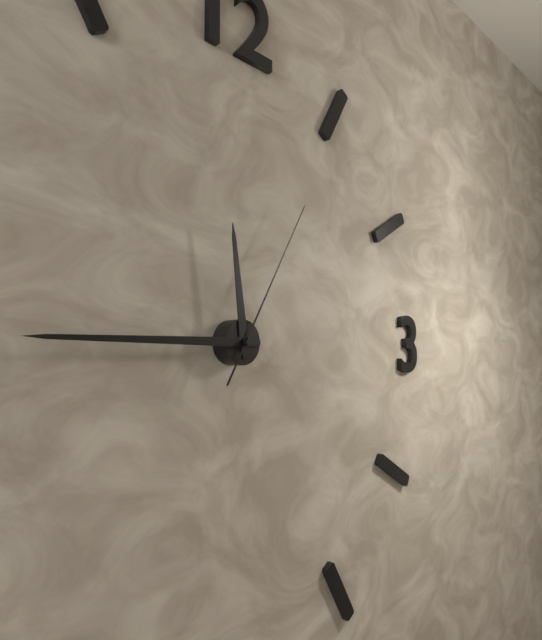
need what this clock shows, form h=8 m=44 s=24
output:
h=11 m=45 s=5
